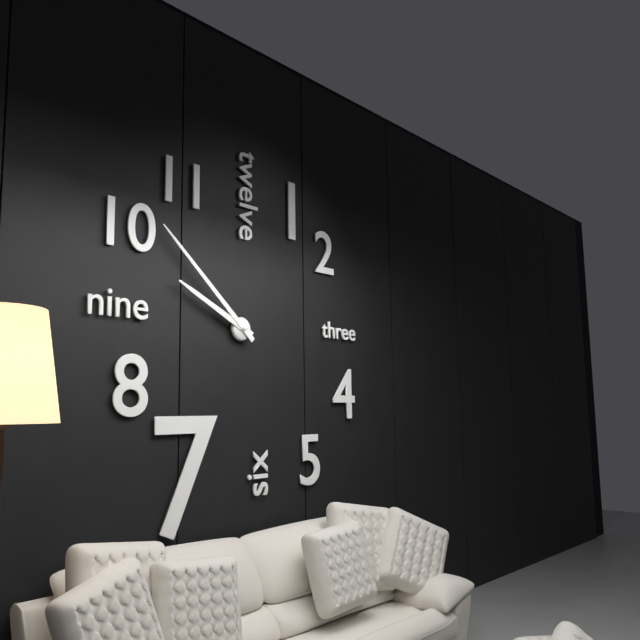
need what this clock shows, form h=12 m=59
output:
h=9 m=52
